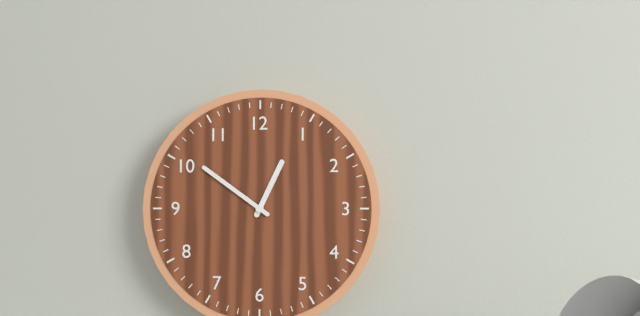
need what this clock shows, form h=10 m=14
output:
h=12 m=51
